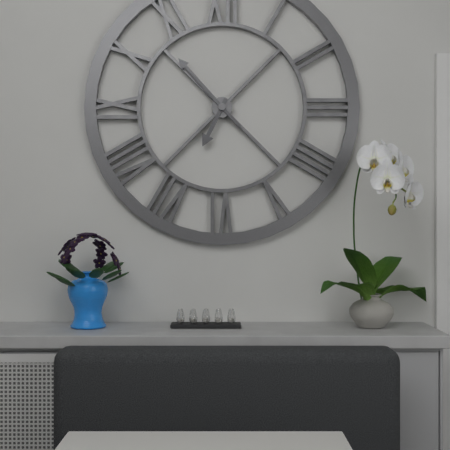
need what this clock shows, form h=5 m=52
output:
h=6 m=53
